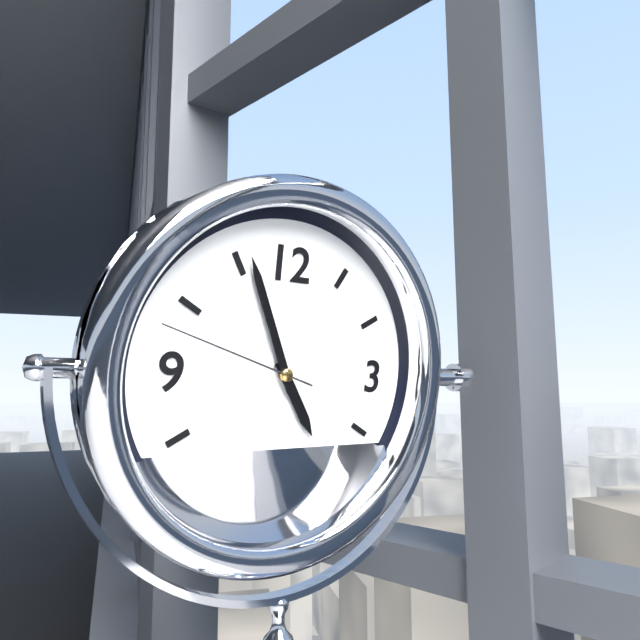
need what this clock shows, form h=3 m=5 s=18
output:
h=4 m=56 s=48
